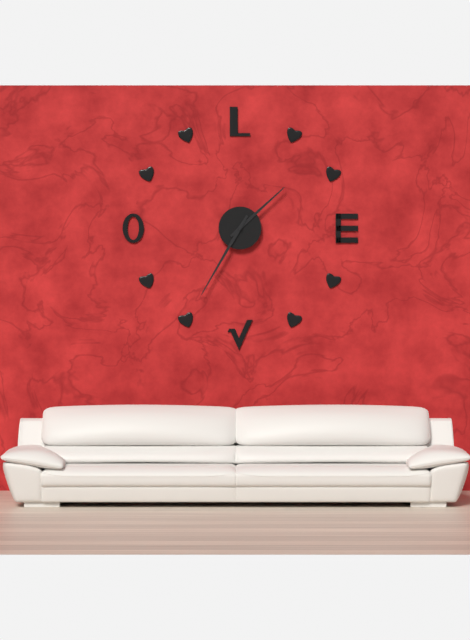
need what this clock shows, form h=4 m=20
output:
h=1 m=35
